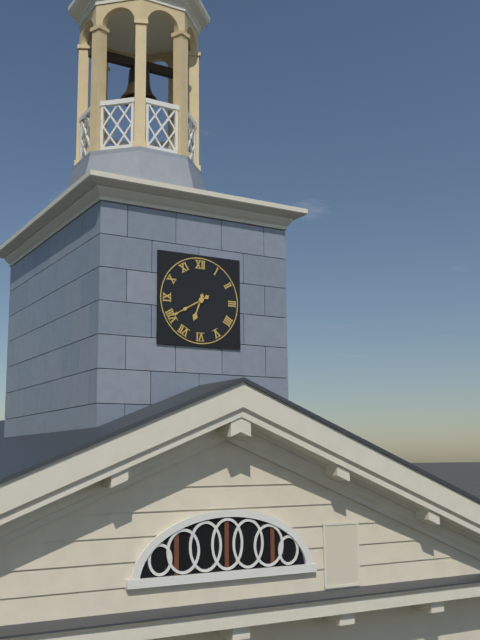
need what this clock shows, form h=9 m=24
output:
h=6 m=40
